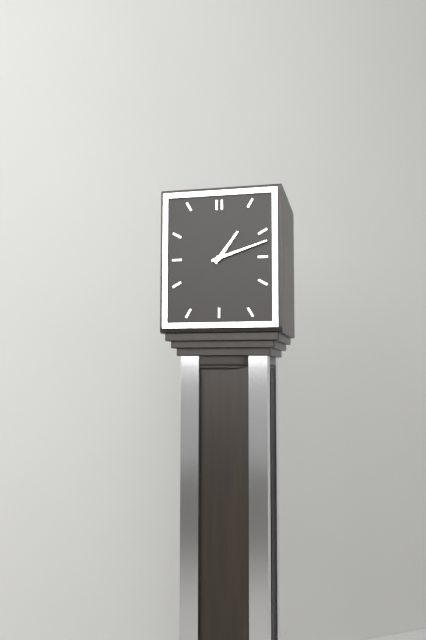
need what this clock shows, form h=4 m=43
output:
h=1 m=12
